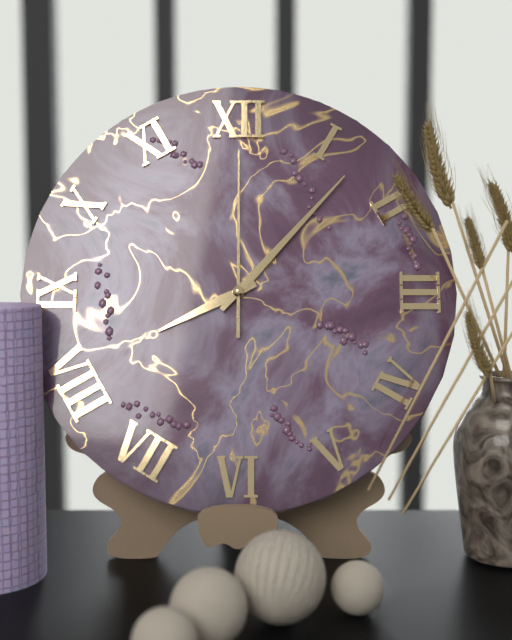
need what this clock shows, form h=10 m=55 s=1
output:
h=8 m=7 s=0
